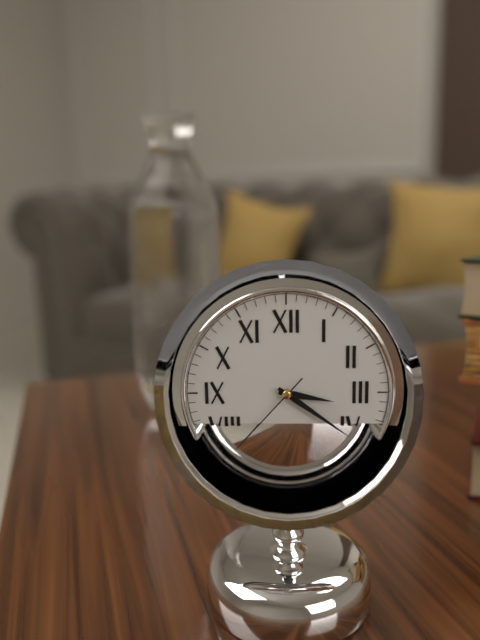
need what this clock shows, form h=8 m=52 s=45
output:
h=3 m=21 s=37
